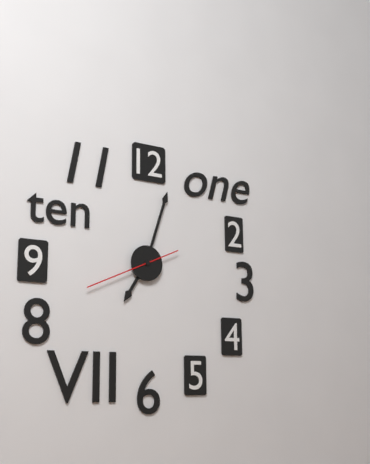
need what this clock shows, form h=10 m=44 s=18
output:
h=7 m=3 s=41
